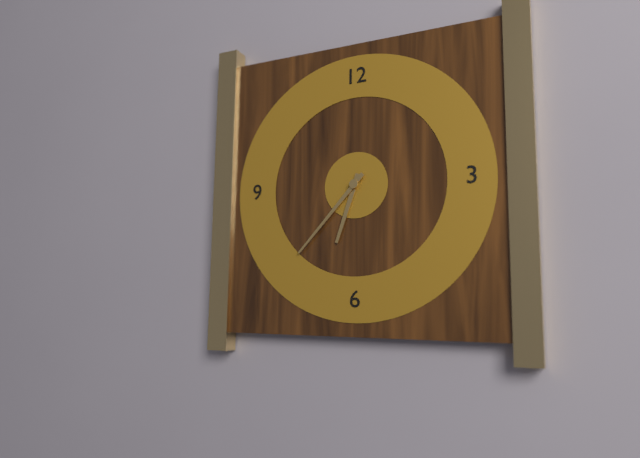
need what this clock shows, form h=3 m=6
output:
h=6 m=37
